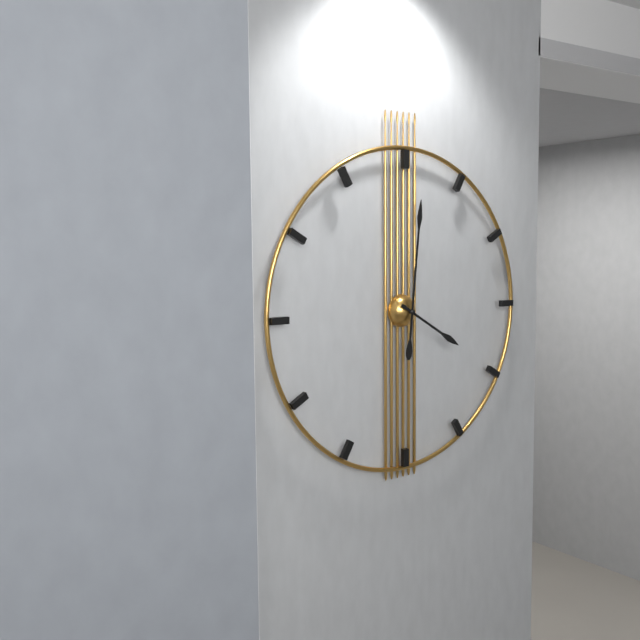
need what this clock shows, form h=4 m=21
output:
h=4 m=1
